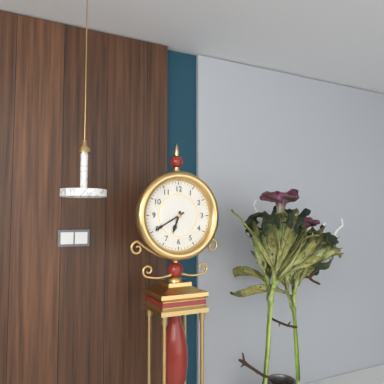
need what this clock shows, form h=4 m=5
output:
h=6 m=40
